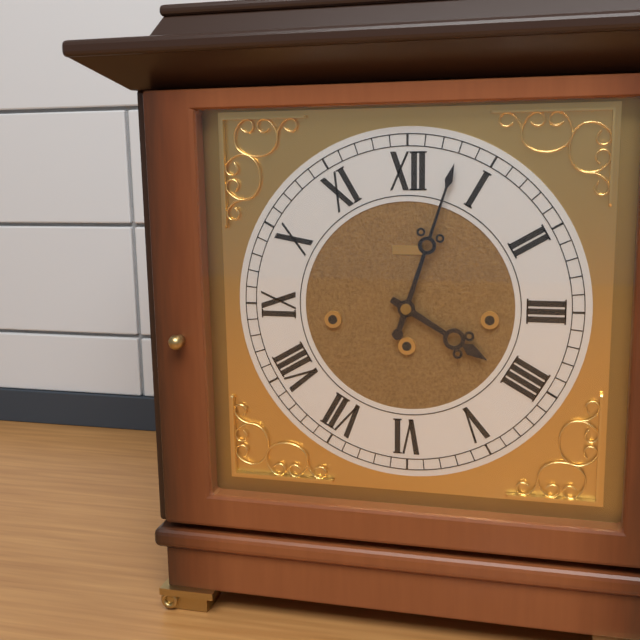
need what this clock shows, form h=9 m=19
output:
h=4 m=3
